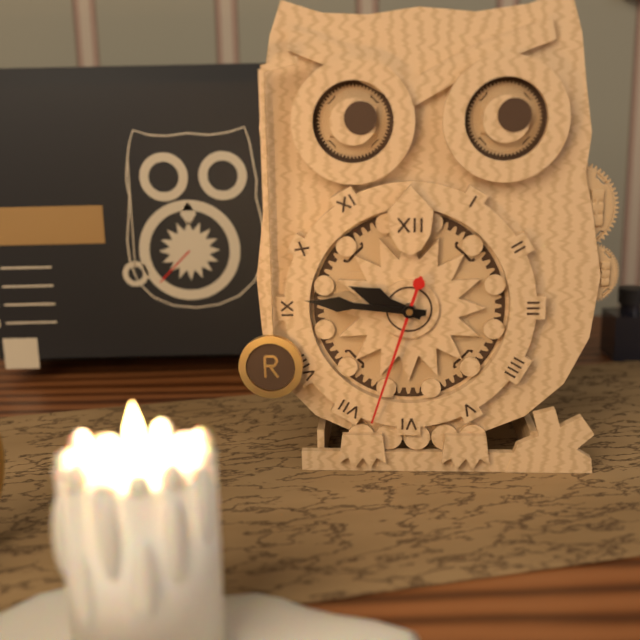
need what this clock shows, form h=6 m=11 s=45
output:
h=9 m=46 s=33
